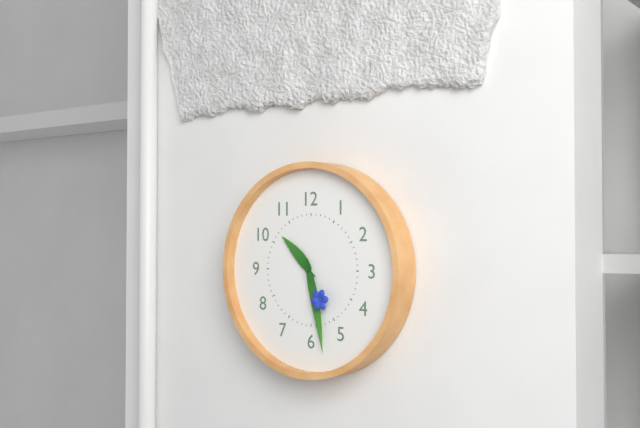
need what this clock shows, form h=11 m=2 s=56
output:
h=10 m=28 s=25
